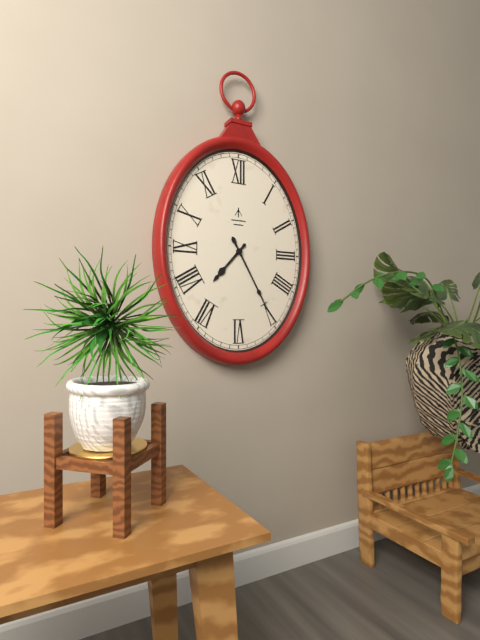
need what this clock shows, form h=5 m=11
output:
h=7 m=25
